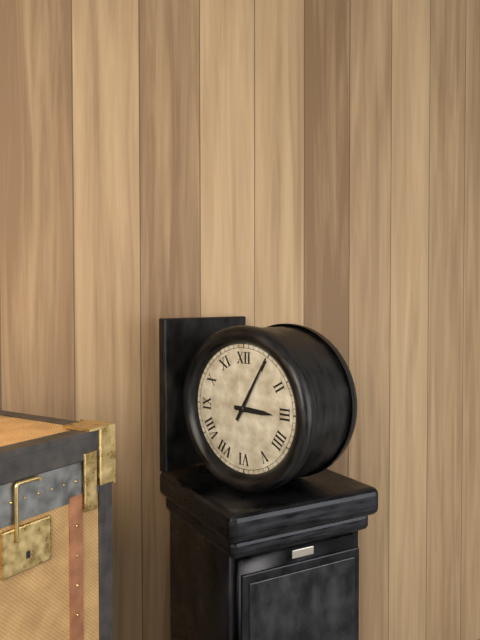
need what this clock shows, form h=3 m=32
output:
h=3 m=5
